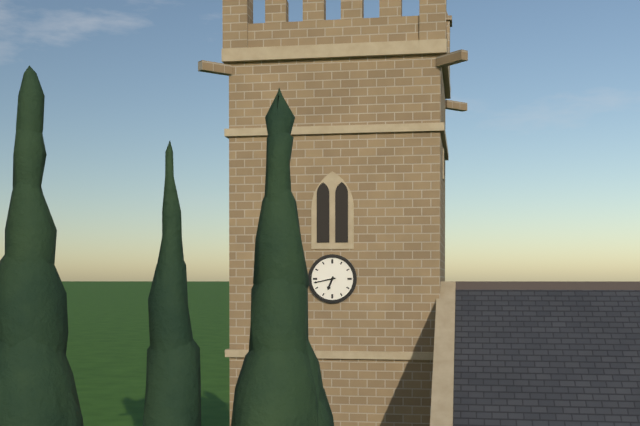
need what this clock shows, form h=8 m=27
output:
h=6 m=43
